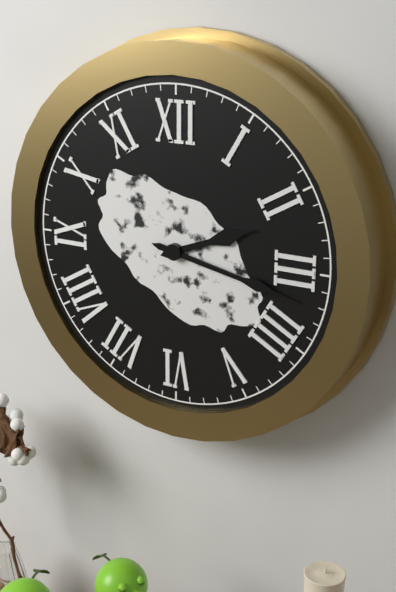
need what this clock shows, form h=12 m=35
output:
h=2 m=17
